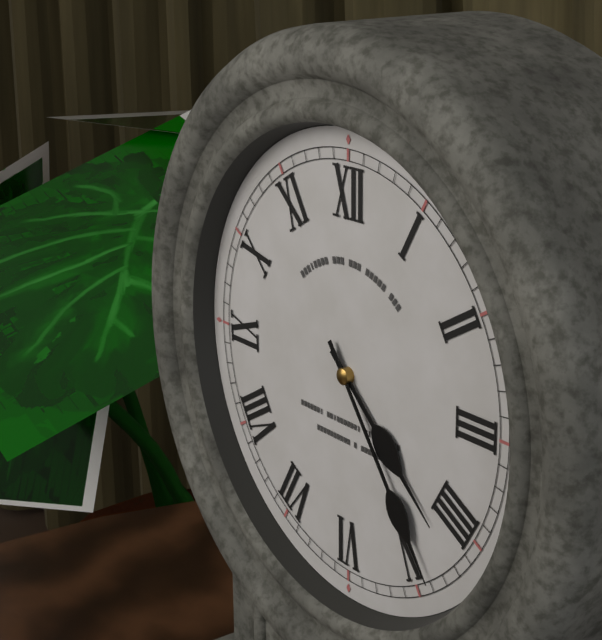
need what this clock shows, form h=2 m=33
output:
h=4 m=24
